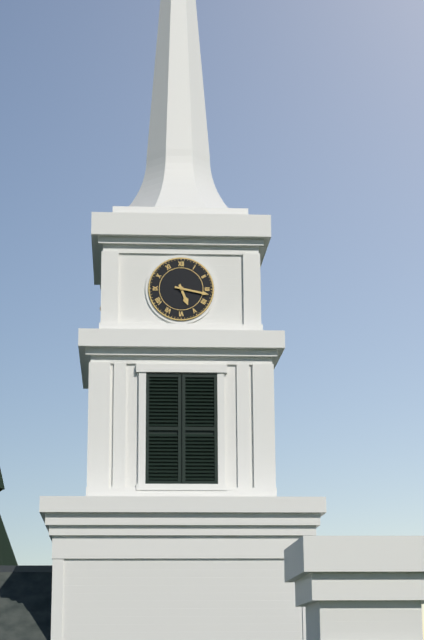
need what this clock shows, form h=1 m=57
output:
h=5 m=17
